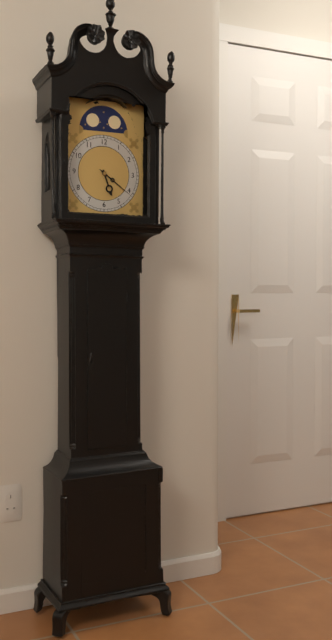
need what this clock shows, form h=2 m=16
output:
h=5 m=21
